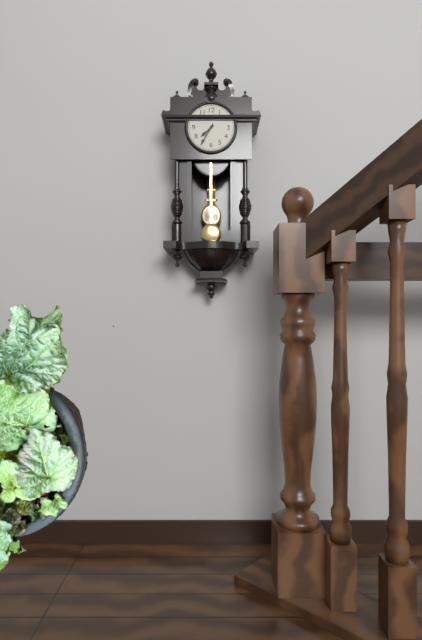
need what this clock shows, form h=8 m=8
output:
h=7 m=35
